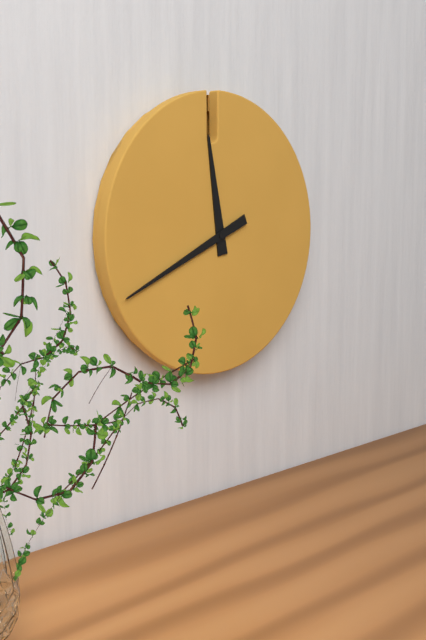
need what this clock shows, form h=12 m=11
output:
h=11 m=41
